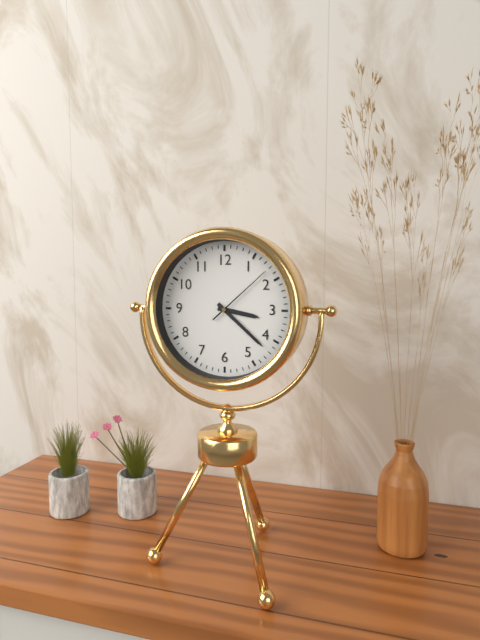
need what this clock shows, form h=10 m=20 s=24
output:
h=3 m=22 s=8
